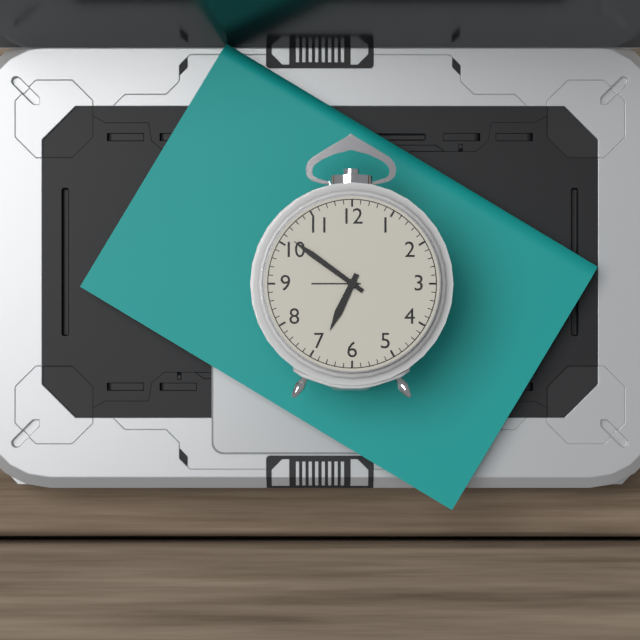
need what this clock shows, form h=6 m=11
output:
h=6 m=51
